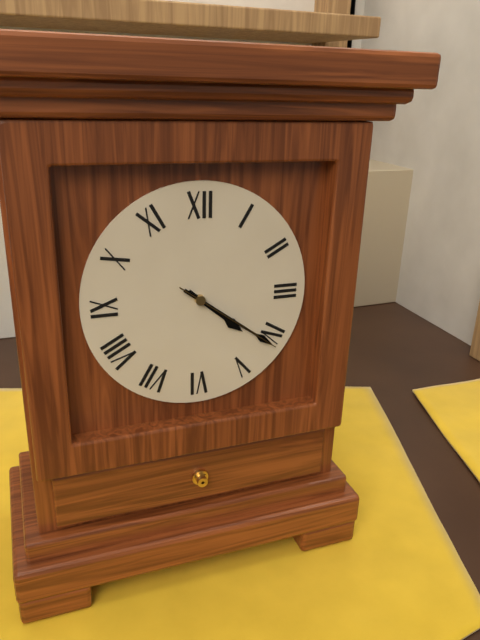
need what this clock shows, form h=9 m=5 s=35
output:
h=4 m=21 s=21
